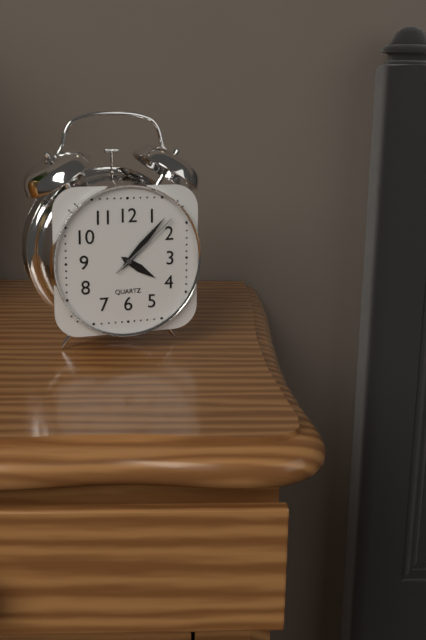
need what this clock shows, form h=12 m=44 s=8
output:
h=4 m=7 s=8
